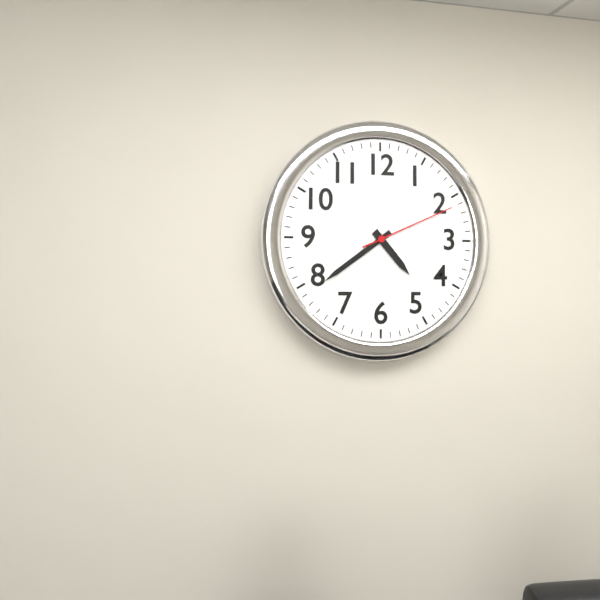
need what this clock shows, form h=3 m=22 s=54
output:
h=4 m=39 s=11
